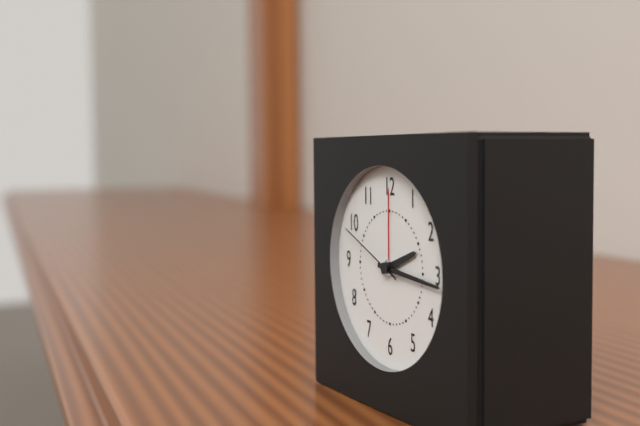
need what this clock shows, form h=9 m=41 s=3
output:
h=2 m=16 s=49
